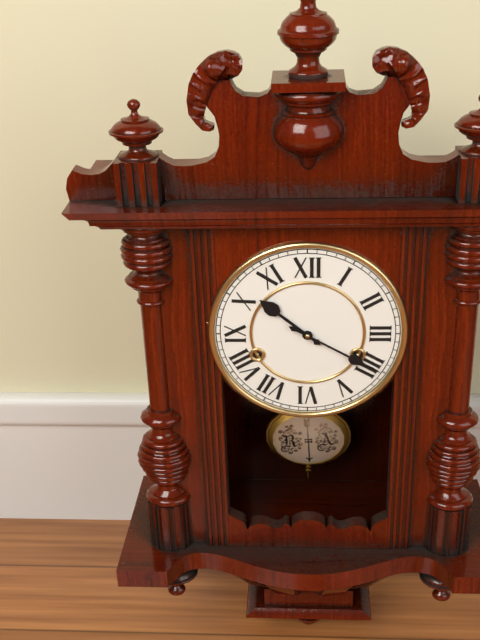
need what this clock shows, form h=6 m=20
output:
h=10 m=20
